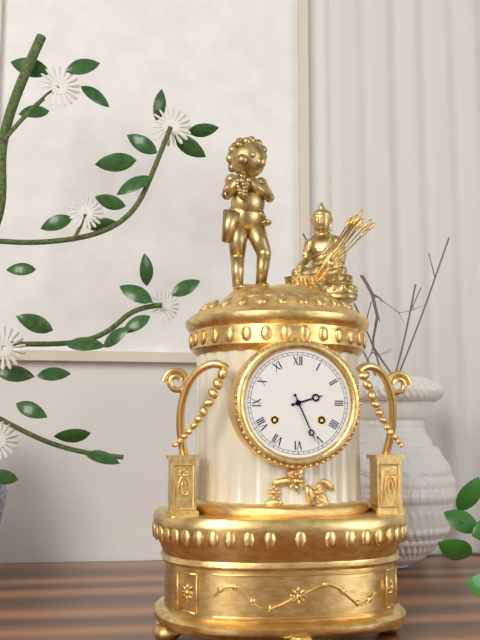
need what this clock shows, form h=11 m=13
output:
h=2 m=26
